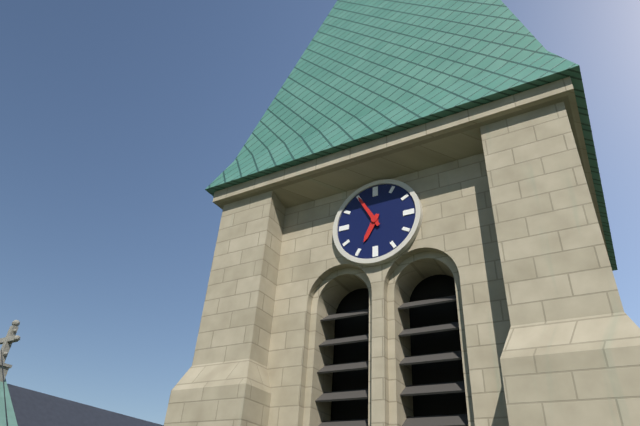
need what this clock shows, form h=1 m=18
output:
h=6 m=55
